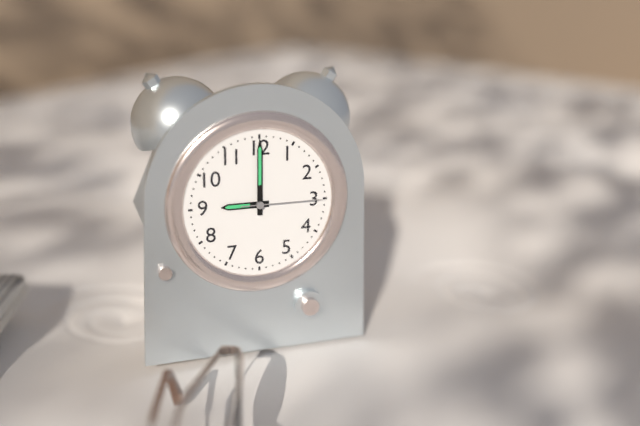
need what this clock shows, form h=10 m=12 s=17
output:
h=9 m=0 s=15
